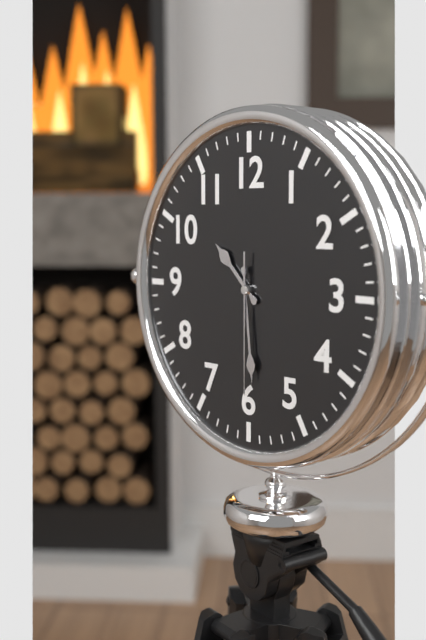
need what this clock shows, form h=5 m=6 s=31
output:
h=10 m=29 s=30
